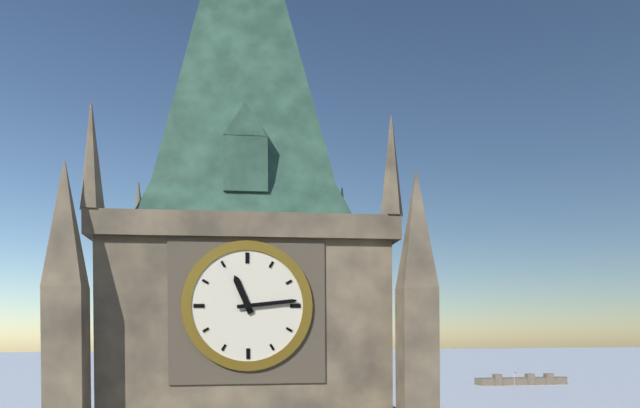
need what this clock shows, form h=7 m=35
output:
h=11 m=14
